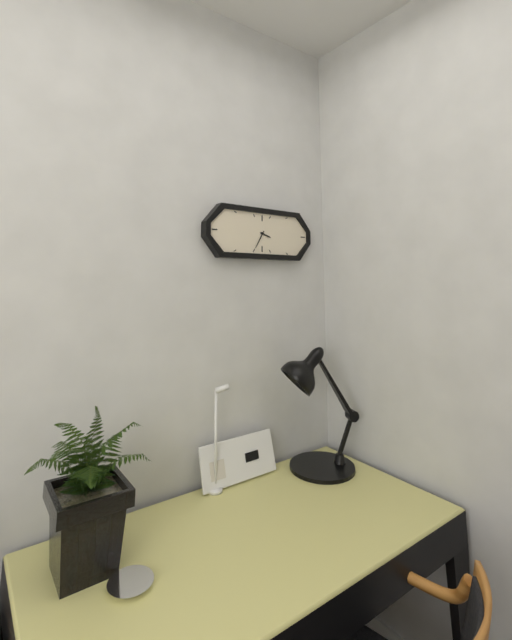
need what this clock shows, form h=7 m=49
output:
h=3 m=35
